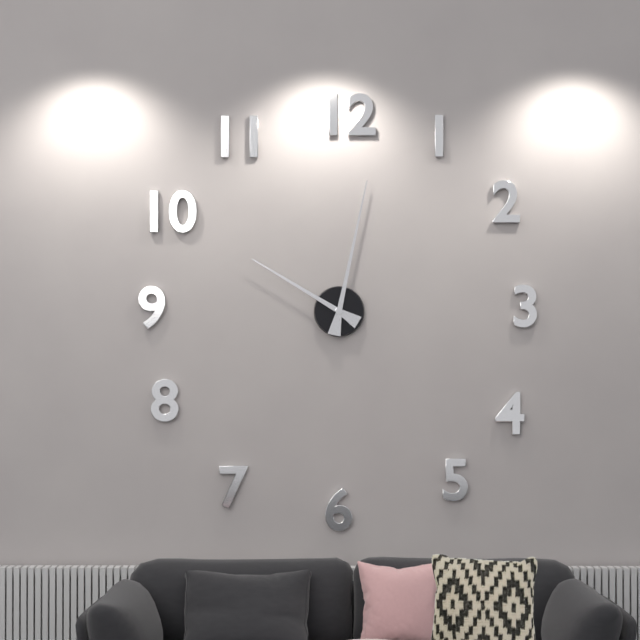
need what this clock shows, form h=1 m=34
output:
h=10 m=2
